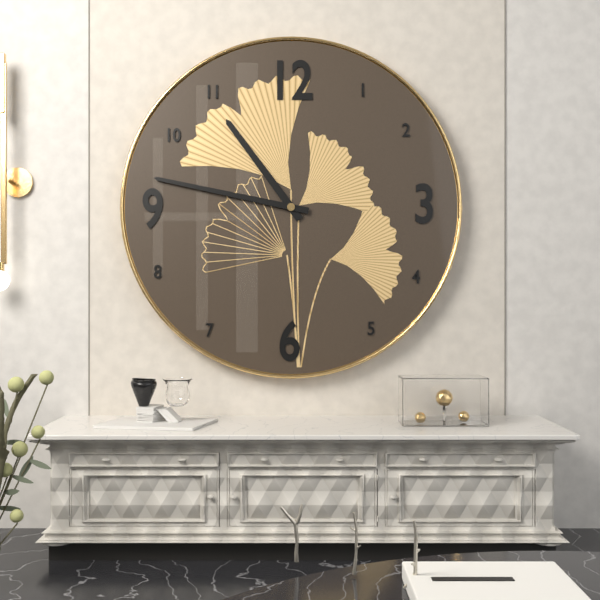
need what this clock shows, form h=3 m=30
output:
h=10 m=47
